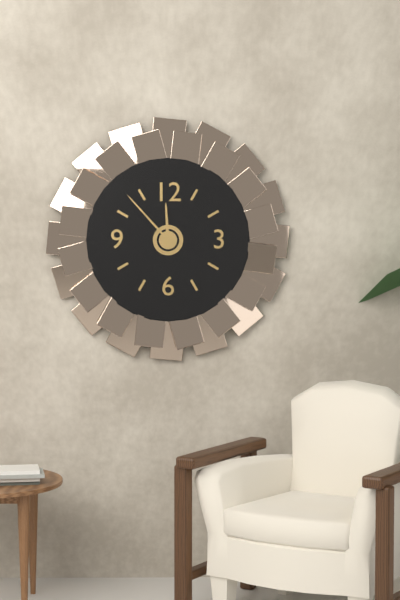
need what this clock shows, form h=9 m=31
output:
h=11 m=53
